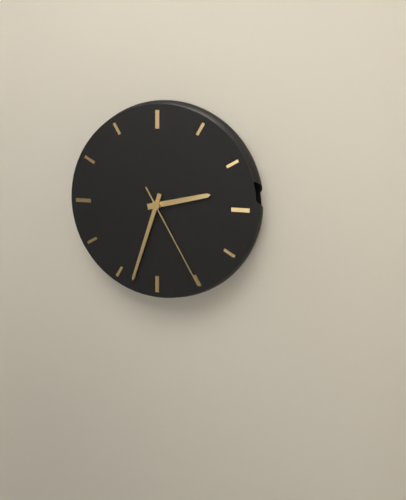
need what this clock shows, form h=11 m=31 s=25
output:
h=2 m=33 s=25
